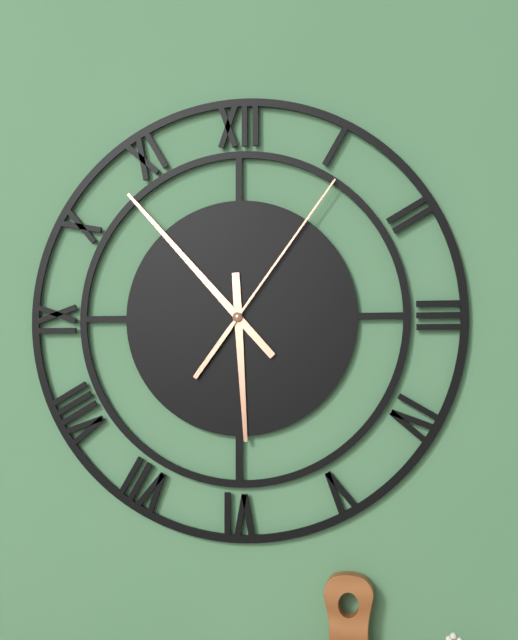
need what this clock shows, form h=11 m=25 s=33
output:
h=5 m=53 s=6
